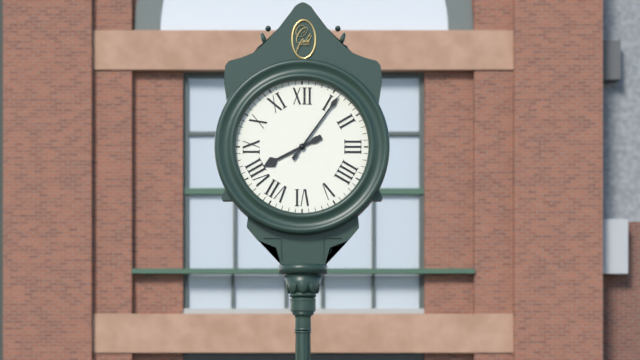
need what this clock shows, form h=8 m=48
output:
h=8 m=6
